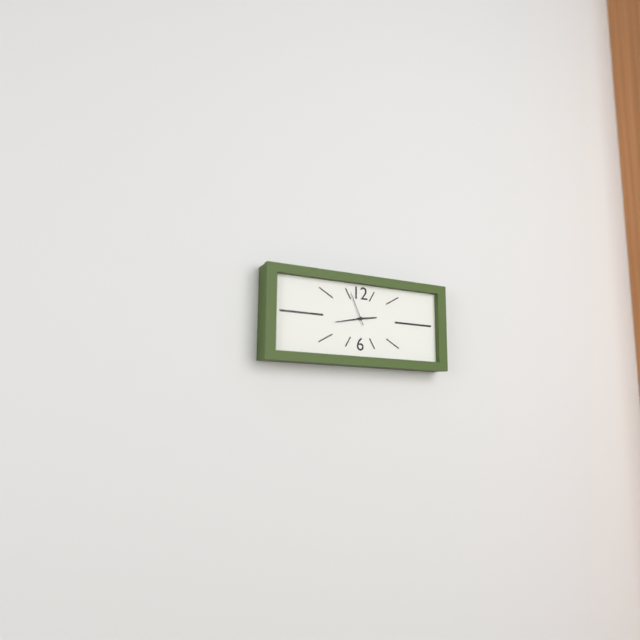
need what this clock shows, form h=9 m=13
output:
h=2 m=43
